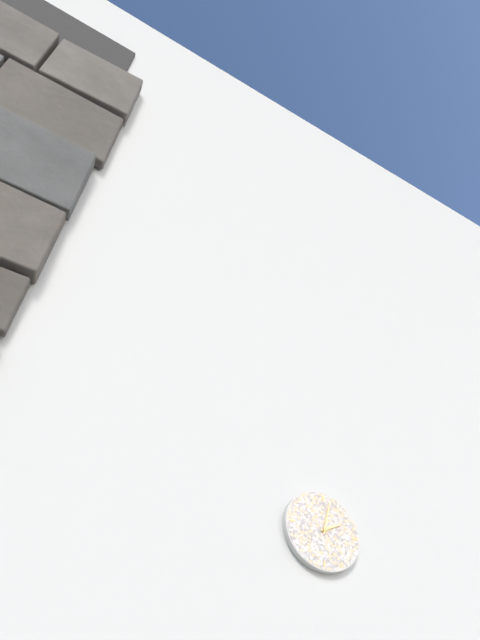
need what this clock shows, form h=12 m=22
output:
h=2 m=2
